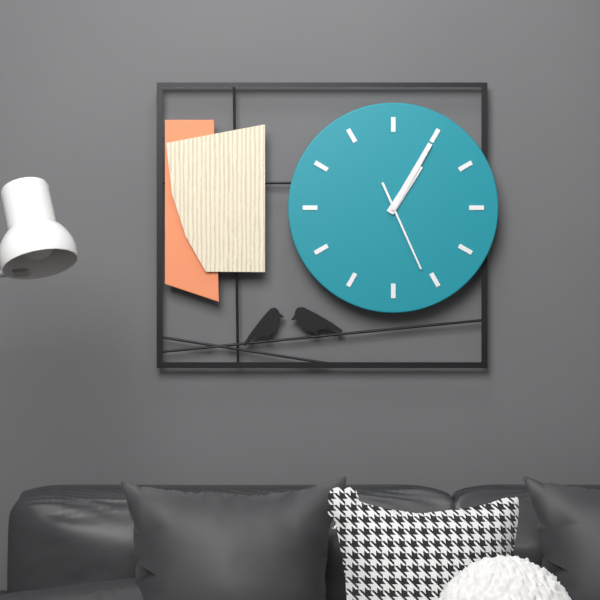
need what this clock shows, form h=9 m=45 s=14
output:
h=1 m=5 s=26
